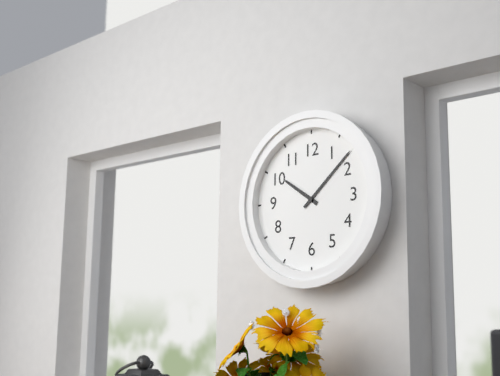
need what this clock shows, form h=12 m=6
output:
h=10 m=8
